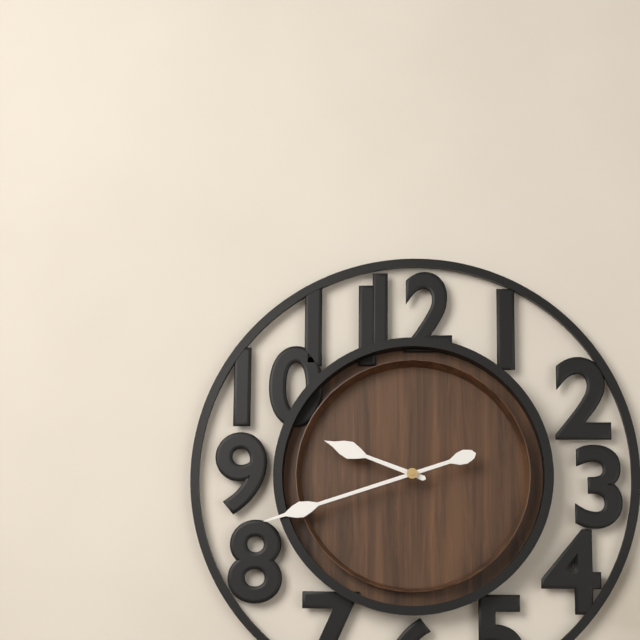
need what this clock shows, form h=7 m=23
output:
h=9 m=42
